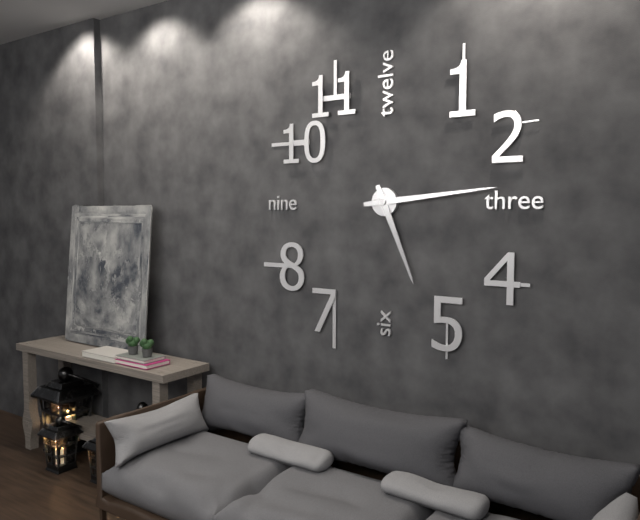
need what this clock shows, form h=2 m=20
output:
h=5 m=14
